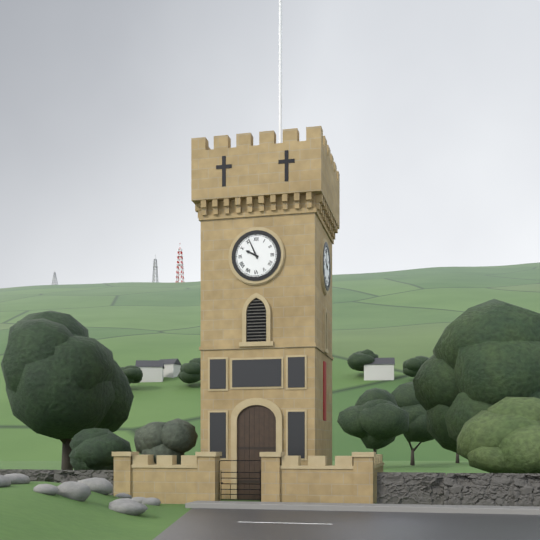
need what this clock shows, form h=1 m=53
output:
h=9 m=56
